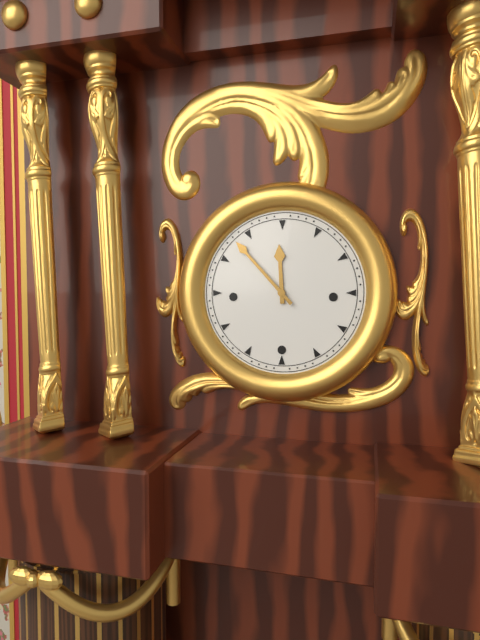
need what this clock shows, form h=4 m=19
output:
h=11 m=53
